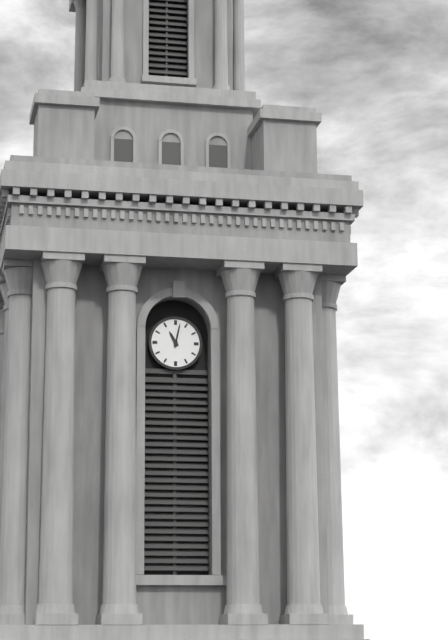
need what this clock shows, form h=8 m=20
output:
h=11 m=2
